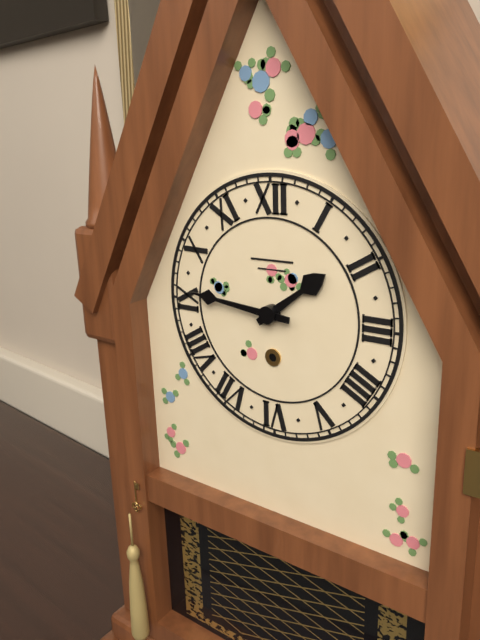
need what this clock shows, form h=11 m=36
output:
h=1 m=46
